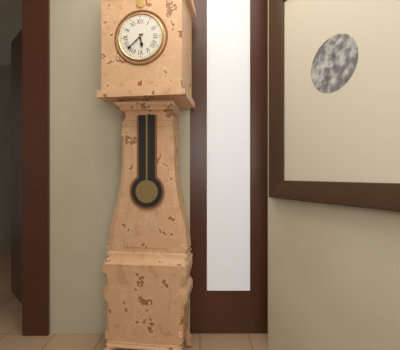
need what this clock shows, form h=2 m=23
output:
h=5 m=38
